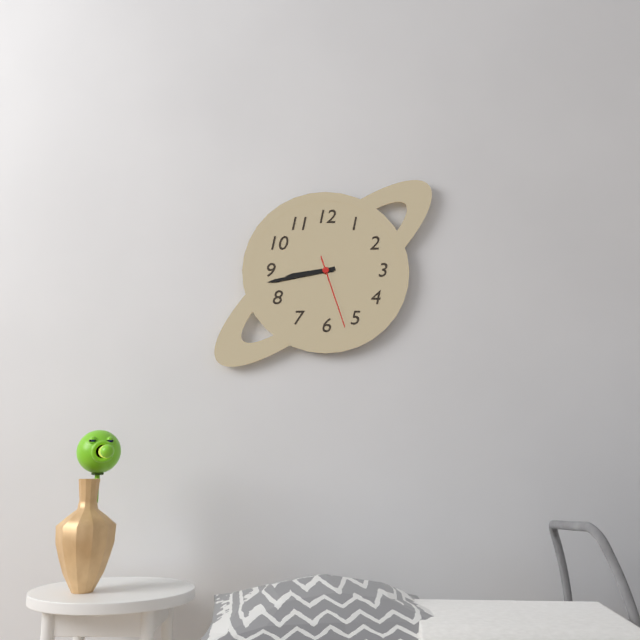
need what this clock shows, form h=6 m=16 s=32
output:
h=8 m=43 s=27
